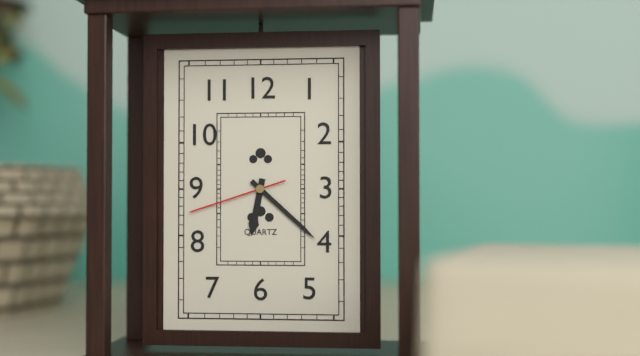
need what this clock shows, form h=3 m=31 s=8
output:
h=6 m=22 s=42
